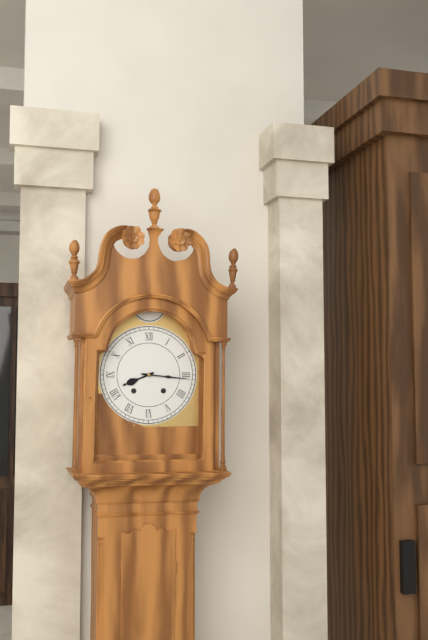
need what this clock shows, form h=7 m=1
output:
h=8 m=16
